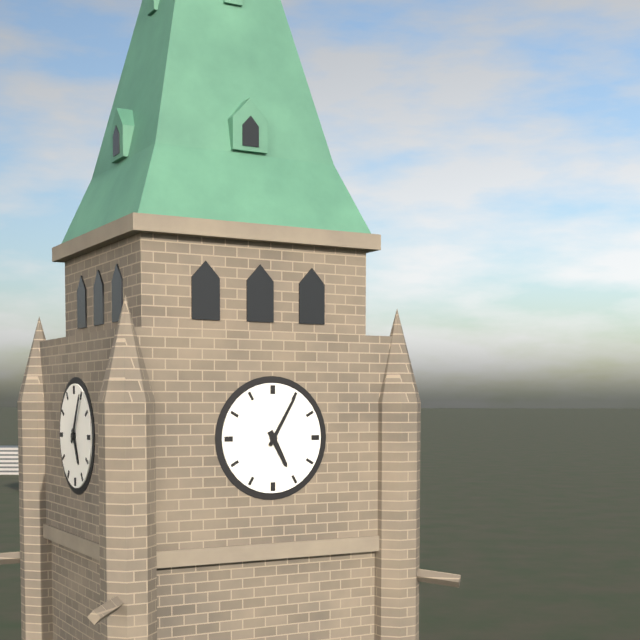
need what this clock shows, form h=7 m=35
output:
h=5 m=5
